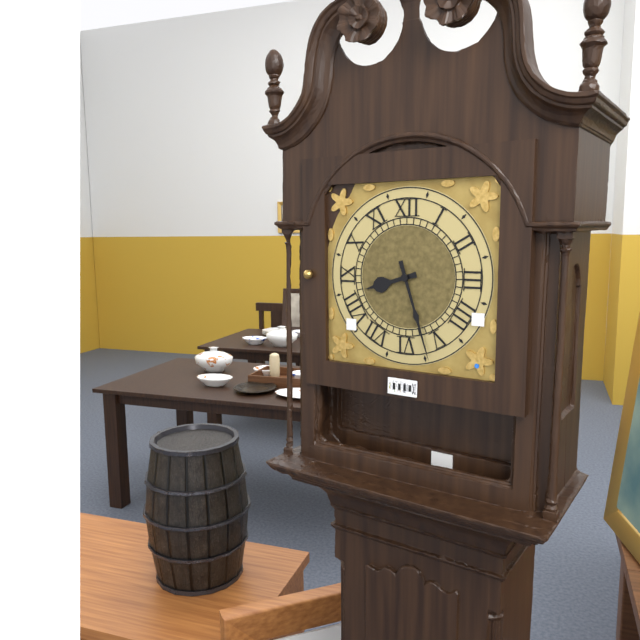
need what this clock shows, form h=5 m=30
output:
h=8 m=27
